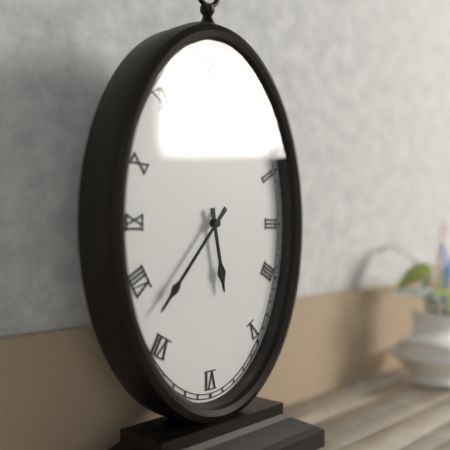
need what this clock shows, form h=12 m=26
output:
h=5 m=37
